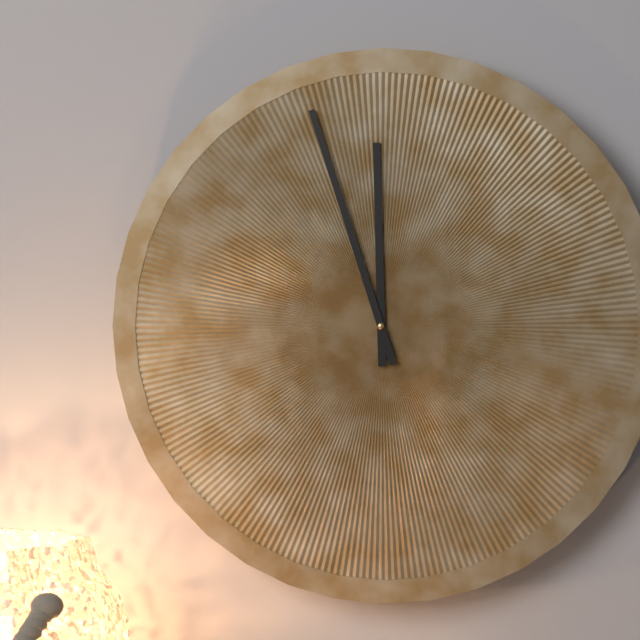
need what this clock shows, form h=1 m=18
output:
h=11 m=57
